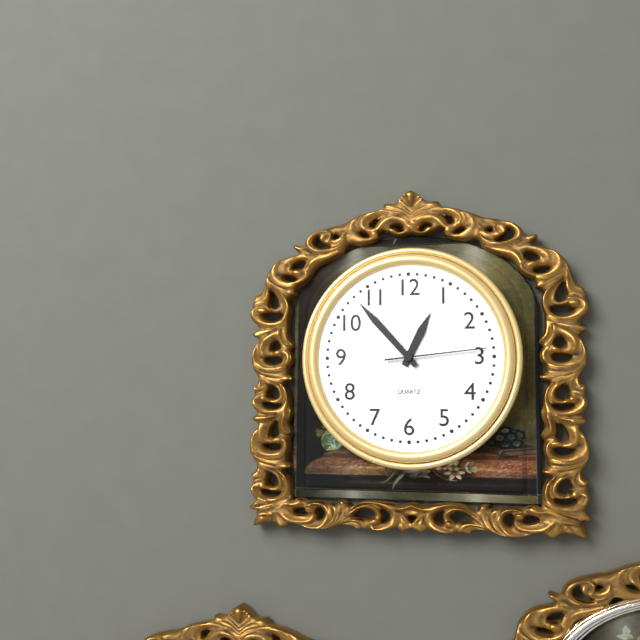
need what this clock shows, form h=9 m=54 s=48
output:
h=12 m=53 s=14
